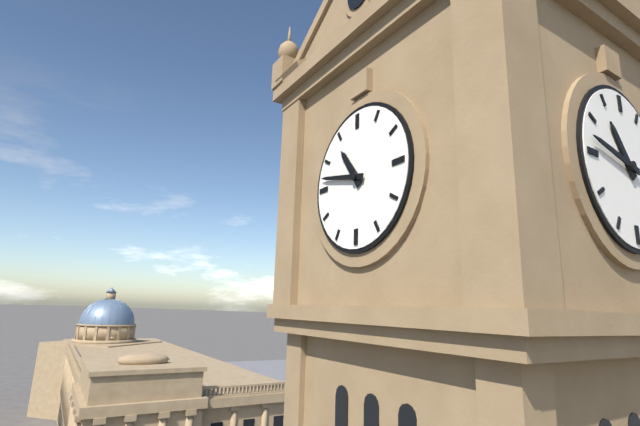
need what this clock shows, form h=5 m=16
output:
h=10 m=47
